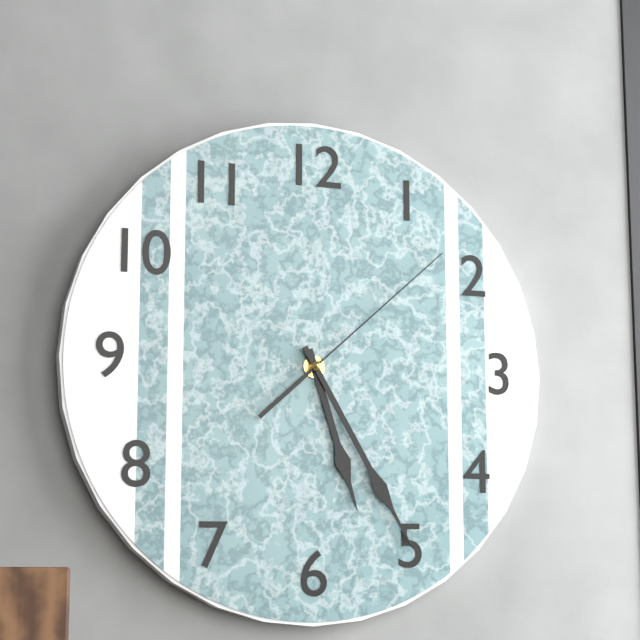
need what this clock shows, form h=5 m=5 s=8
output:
h=5 m=25 s=8
